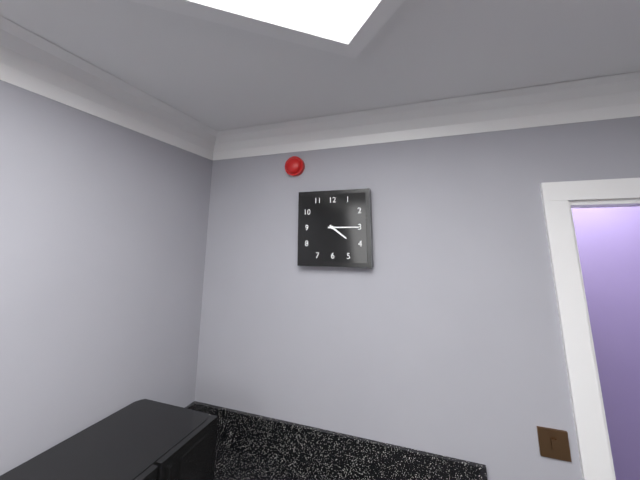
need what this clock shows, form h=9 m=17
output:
h=4 m=15
